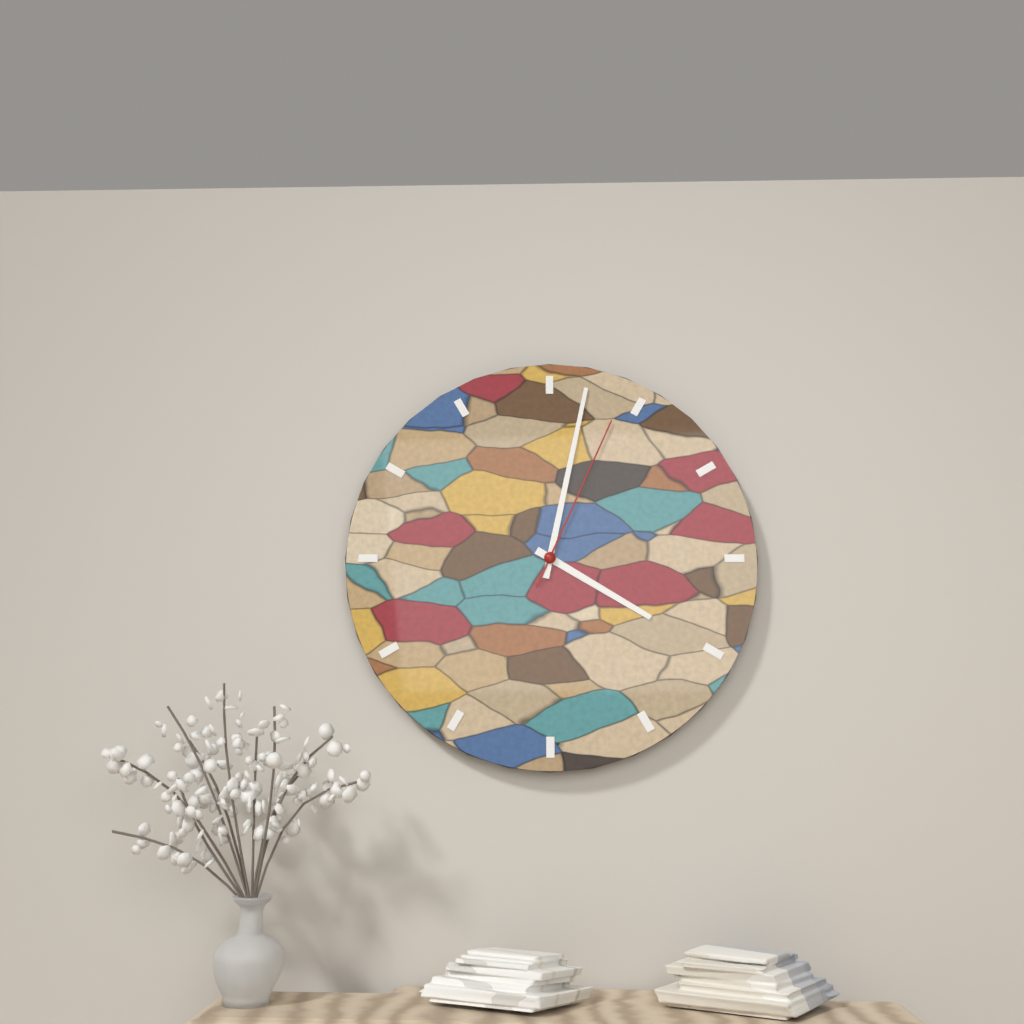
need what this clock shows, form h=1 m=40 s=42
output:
h=4 m=2 s=4
